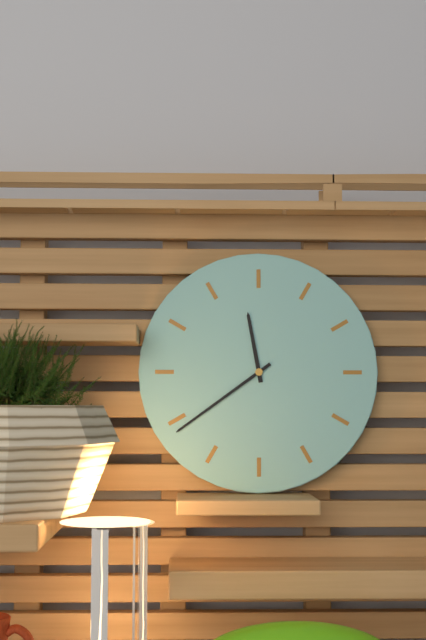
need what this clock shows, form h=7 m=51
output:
h=11 m=39
